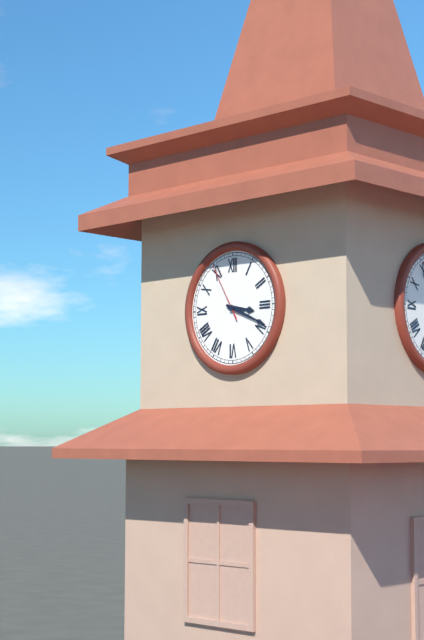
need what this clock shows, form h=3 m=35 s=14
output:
h=3 m=19 s=55
